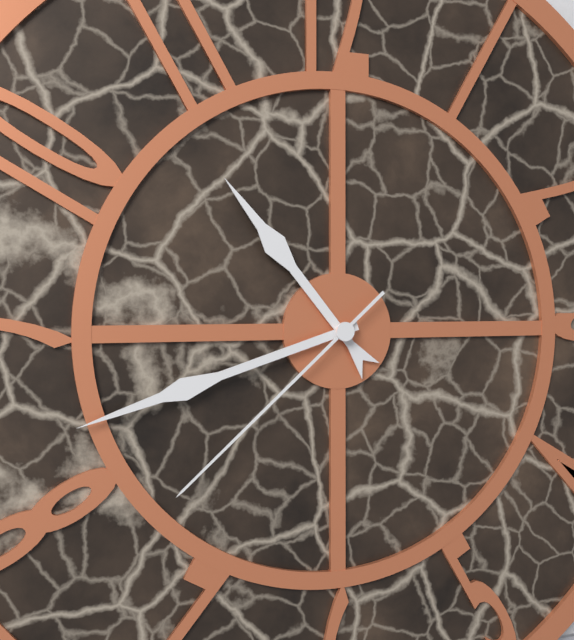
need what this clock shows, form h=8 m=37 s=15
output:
h=10 m=42 s=38
